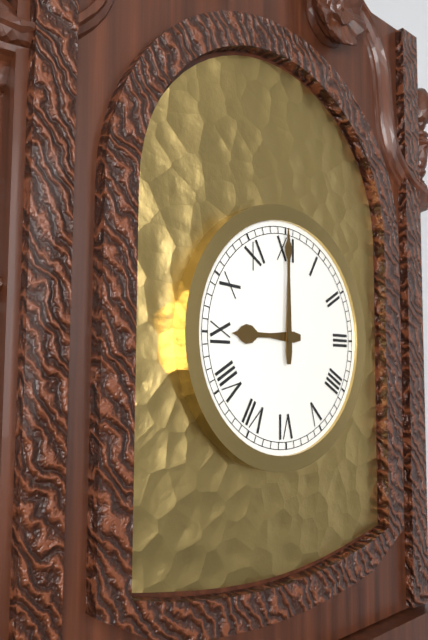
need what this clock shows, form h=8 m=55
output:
h=9 m=0
